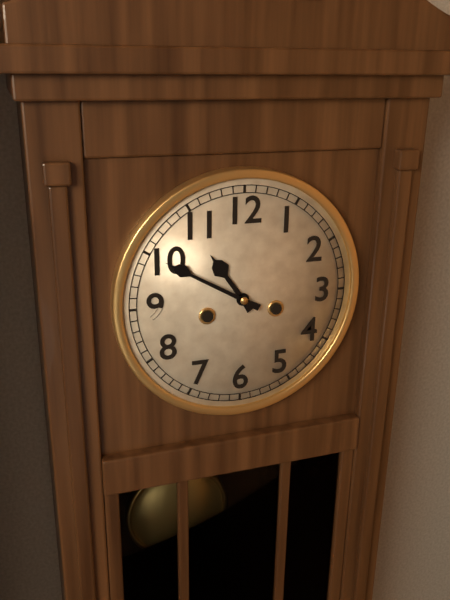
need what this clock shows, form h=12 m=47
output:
h=10 m=50
